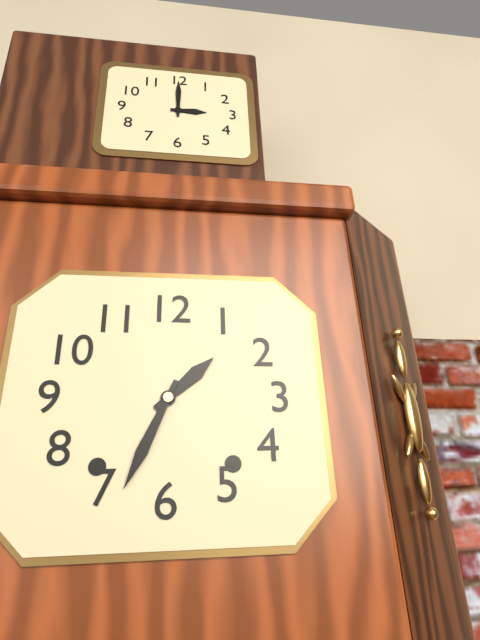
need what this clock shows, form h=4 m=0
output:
h=1 m=34
